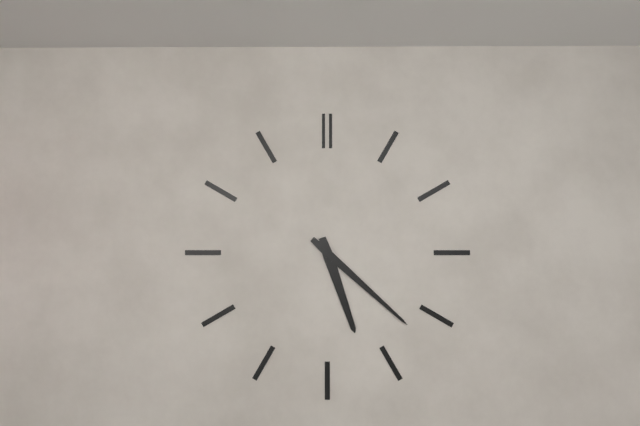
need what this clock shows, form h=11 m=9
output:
h=5 m=22
